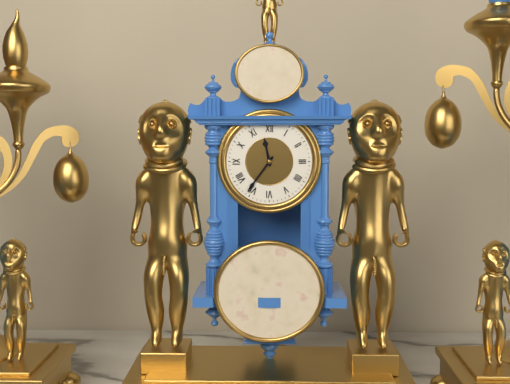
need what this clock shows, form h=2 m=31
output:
h=11 m=36
